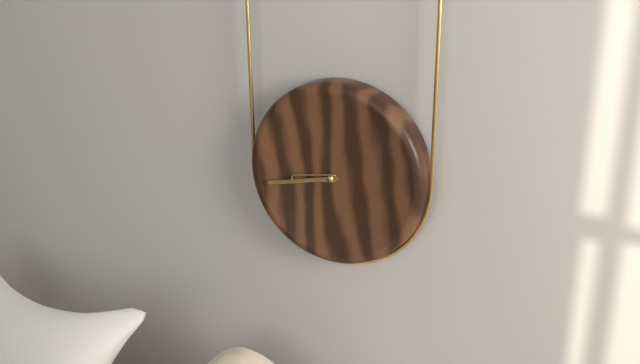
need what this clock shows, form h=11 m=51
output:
h=8 m=43
